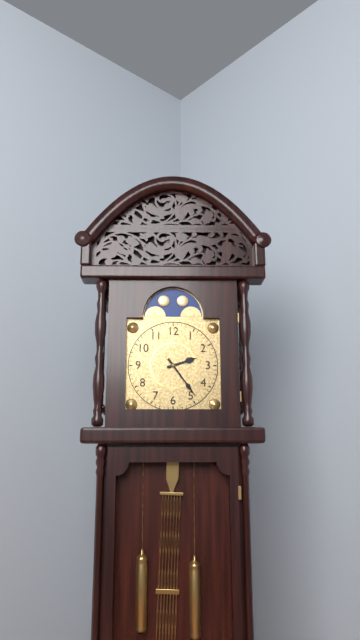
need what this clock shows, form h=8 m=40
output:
h=2 m=24
